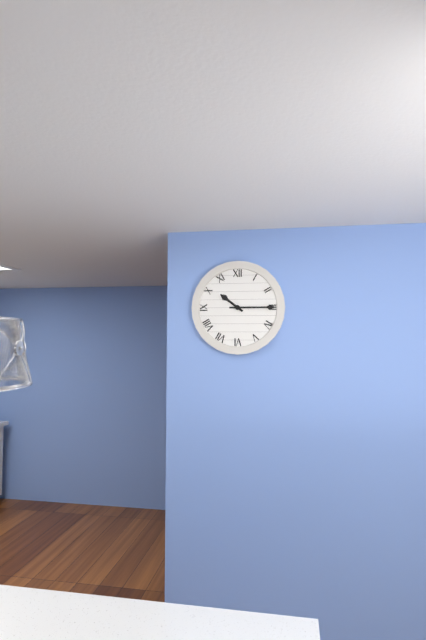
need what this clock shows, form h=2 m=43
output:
h=10 m=15
